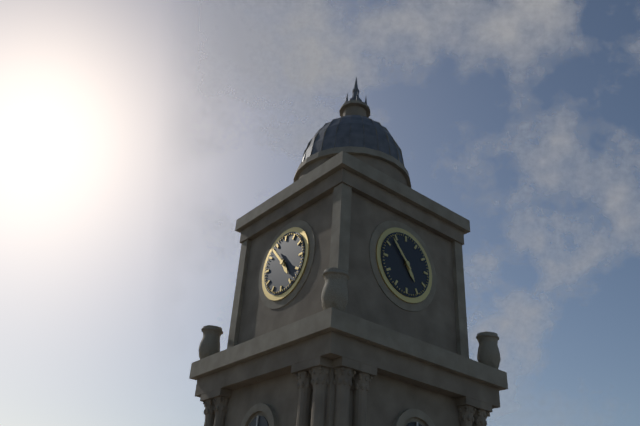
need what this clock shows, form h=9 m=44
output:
h=4 m=53
